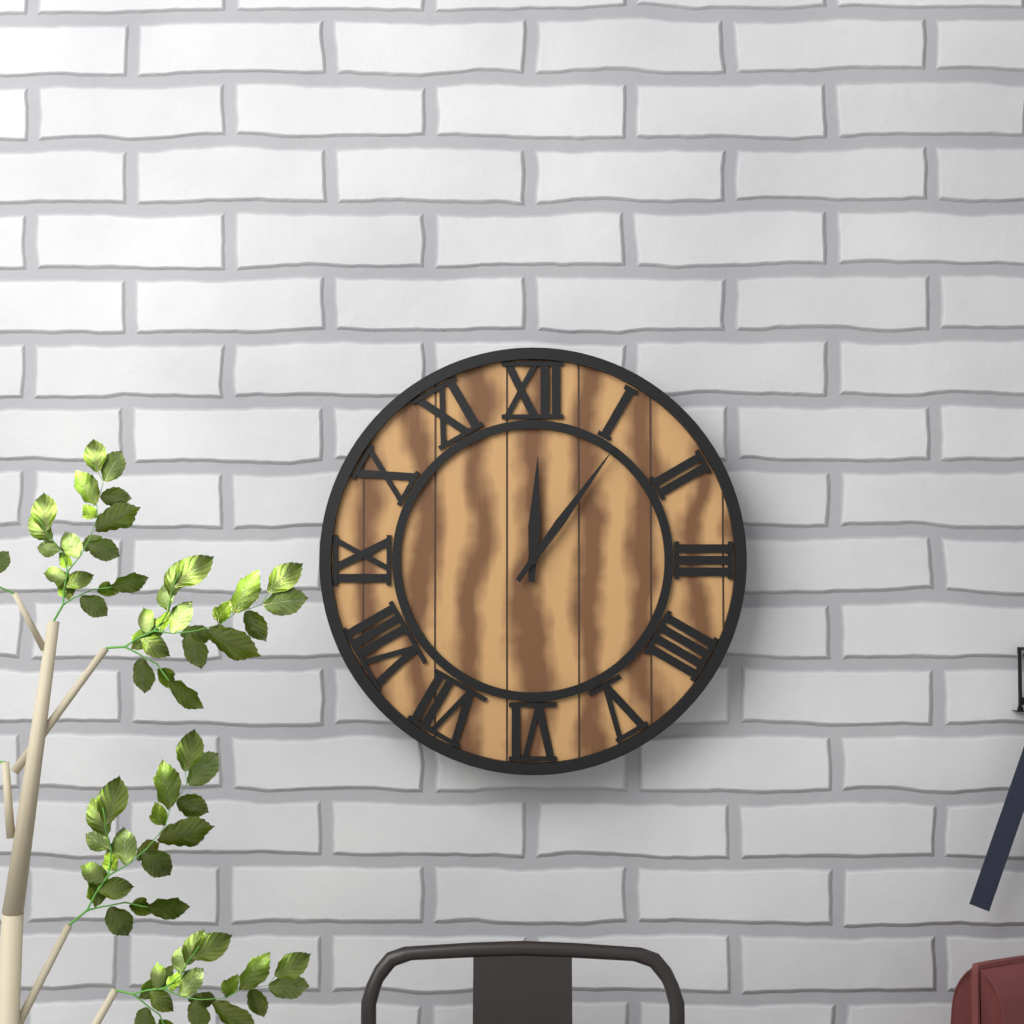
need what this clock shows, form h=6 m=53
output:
h=12 m=6
